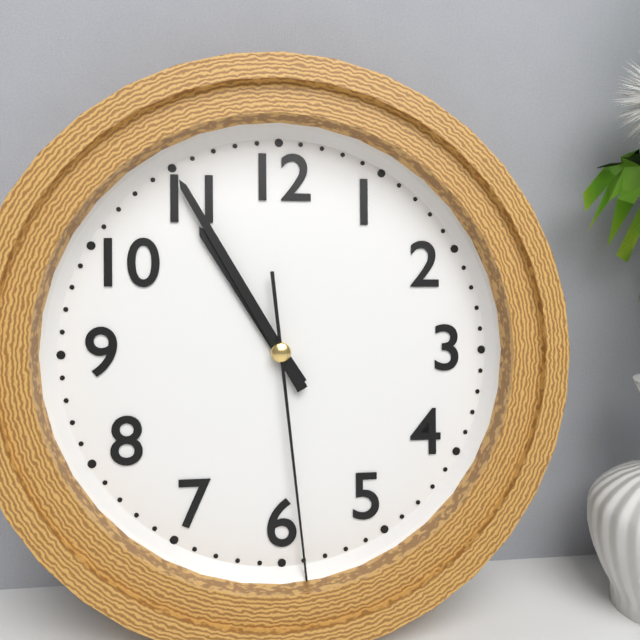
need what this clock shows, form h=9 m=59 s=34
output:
h=10 m=55 s=29
